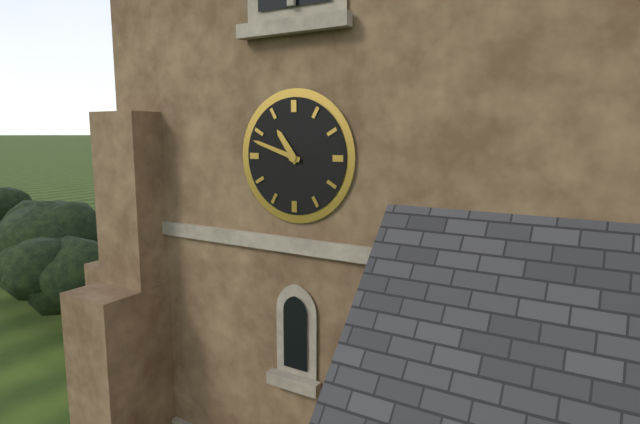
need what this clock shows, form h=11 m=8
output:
h=10 m=48
